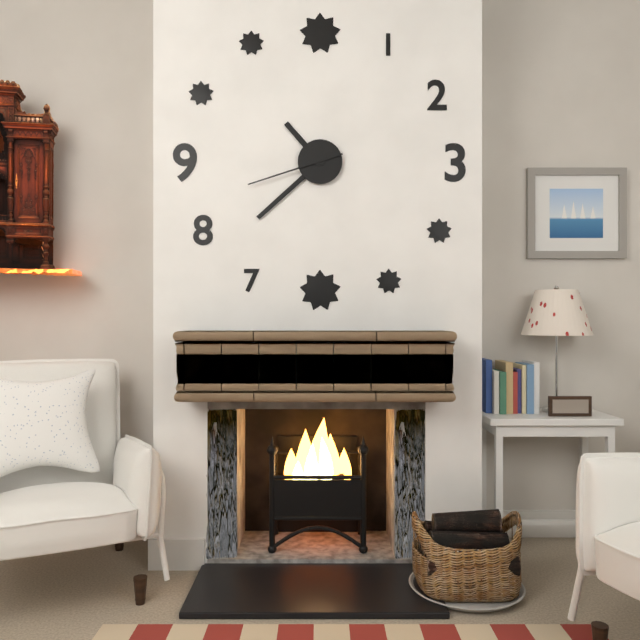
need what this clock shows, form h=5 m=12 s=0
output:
h=10 m=38 s=42
